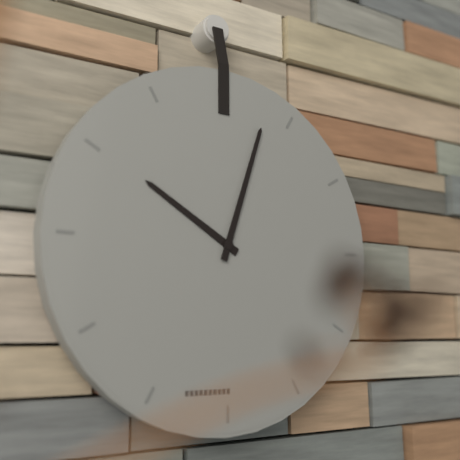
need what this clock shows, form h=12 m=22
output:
h=10 m=3
